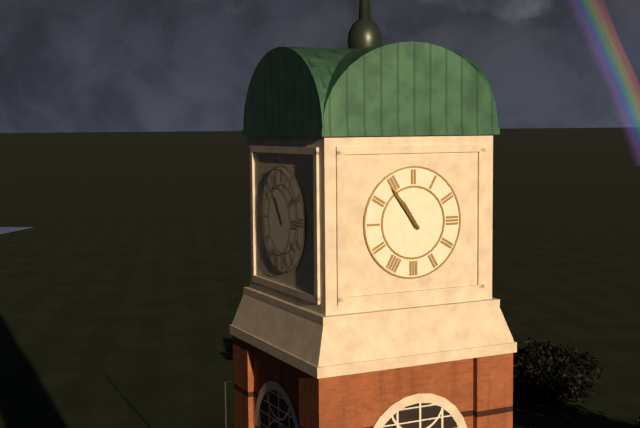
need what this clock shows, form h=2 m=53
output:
h=10 m=54
